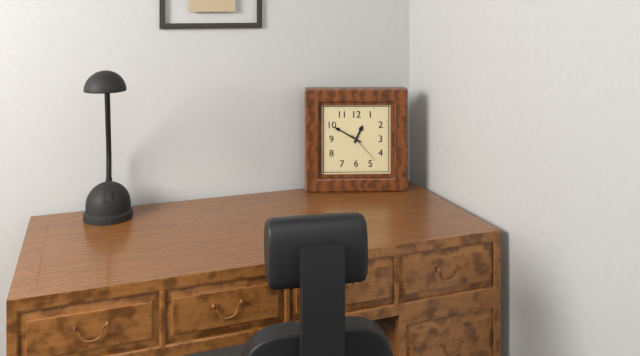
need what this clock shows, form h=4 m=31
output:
h=12 m=50
